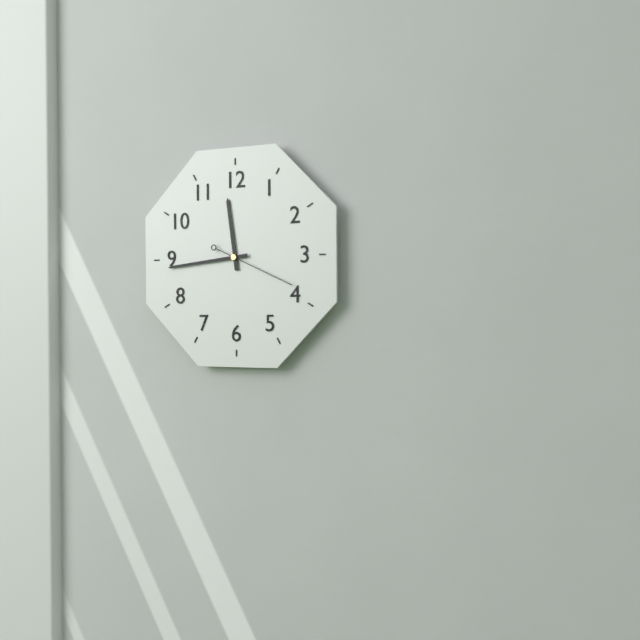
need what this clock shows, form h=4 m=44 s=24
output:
h=11 m=44 s=19
